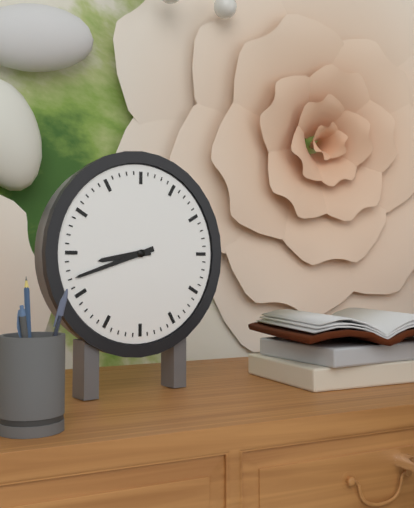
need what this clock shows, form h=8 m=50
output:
h=8 m=42
